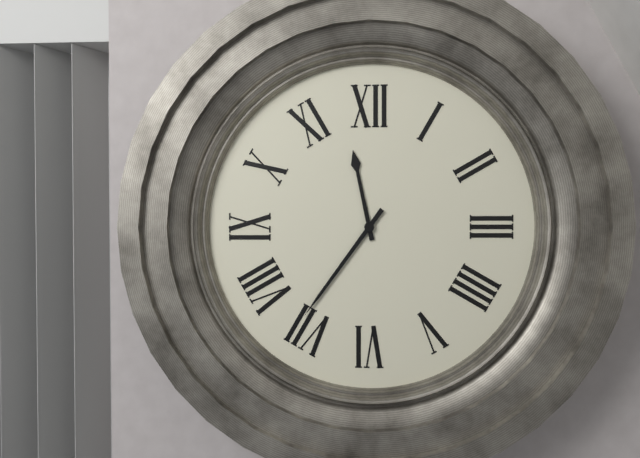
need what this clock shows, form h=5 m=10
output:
h=11 m=36
